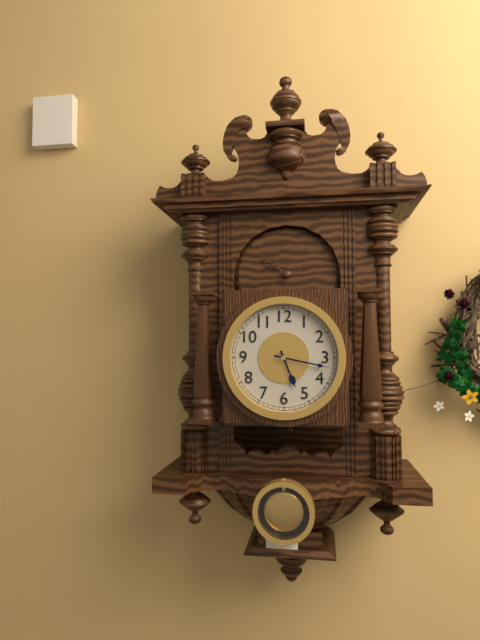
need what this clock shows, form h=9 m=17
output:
h=5 m=17
